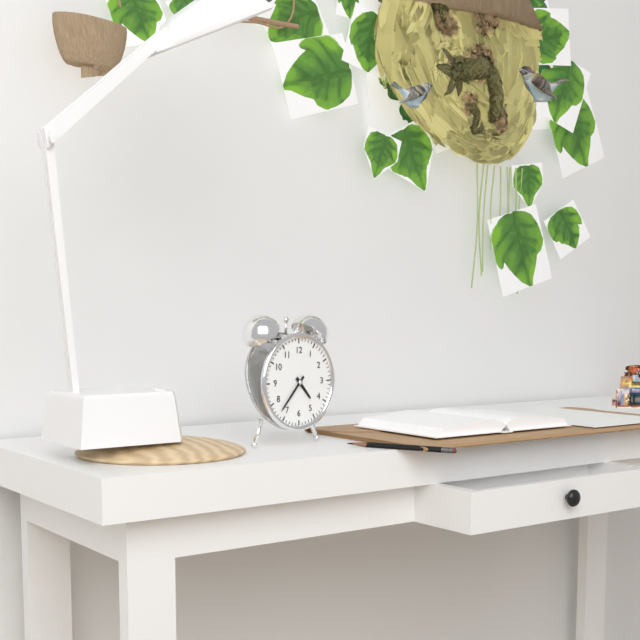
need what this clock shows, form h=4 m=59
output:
h=4 m=37
